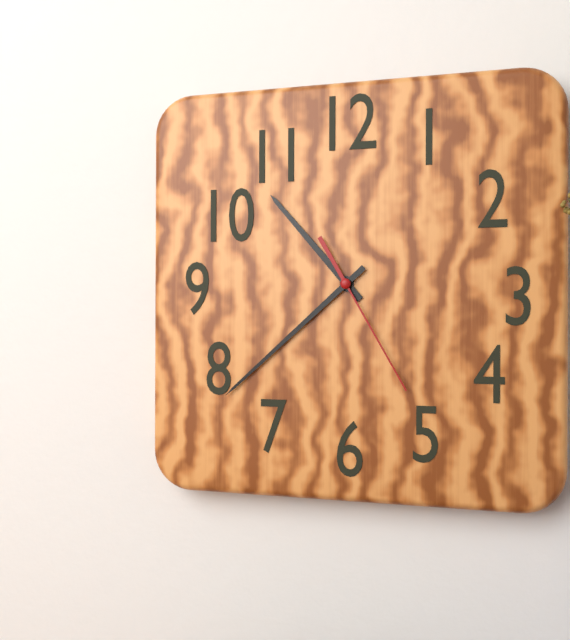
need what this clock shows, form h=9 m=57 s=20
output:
h=10 m=38 s=25
